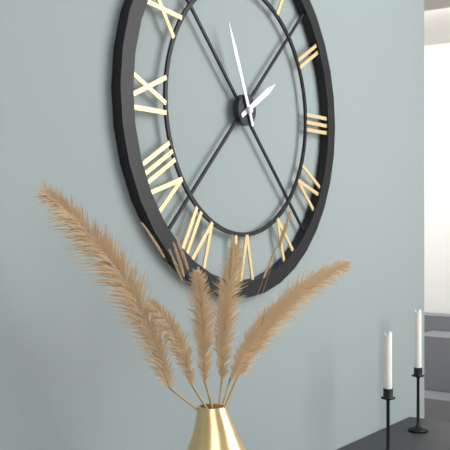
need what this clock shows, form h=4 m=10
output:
h=1 m=56
